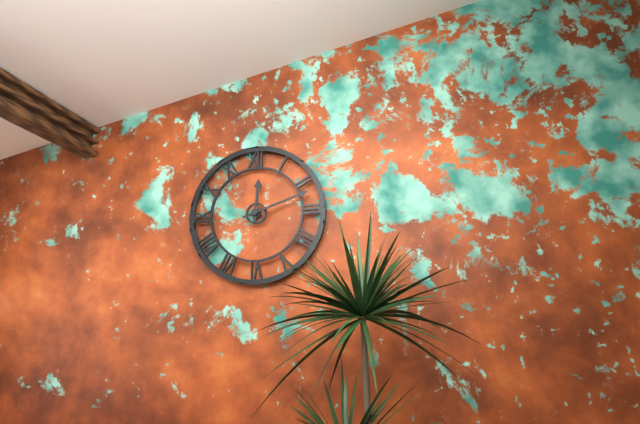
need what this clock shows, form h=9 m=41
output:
h=12 m=12
